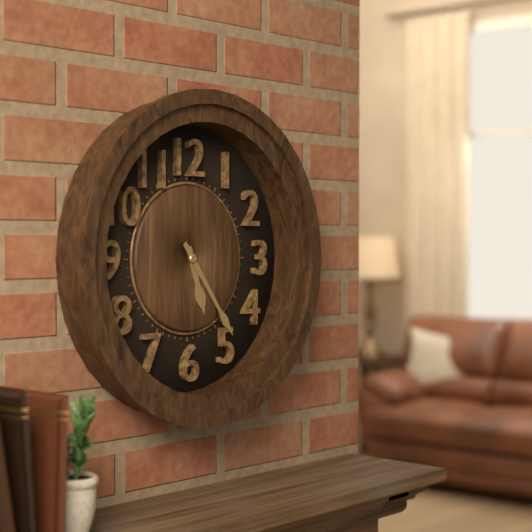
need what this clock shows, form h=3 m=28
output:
h=5 m=24
